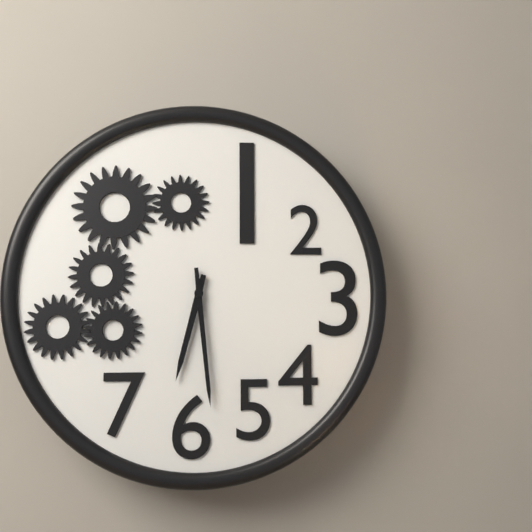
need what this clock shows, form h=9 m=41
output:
h=6 m=29
